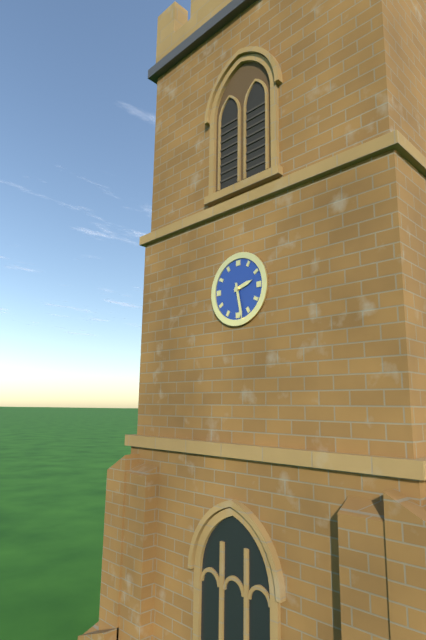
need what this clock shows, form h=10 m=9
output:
h=2 m=28
